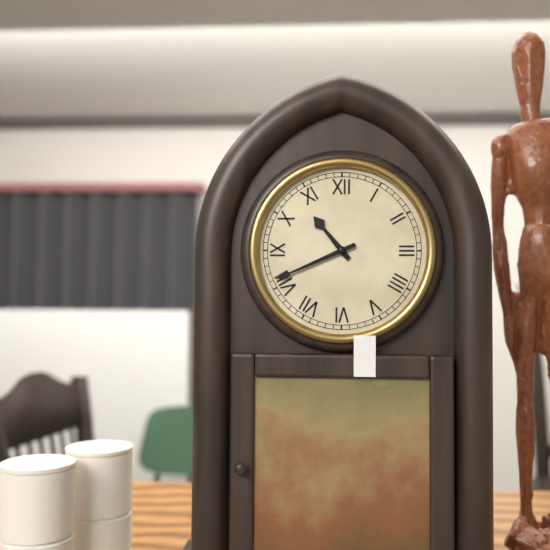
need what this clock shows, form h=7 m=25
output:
h=10 m=41
